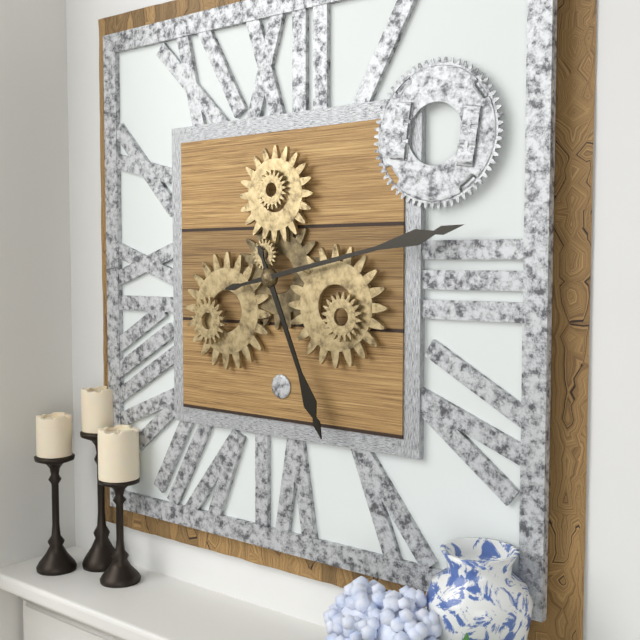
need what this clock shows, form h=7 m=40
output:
h=5 m=13
